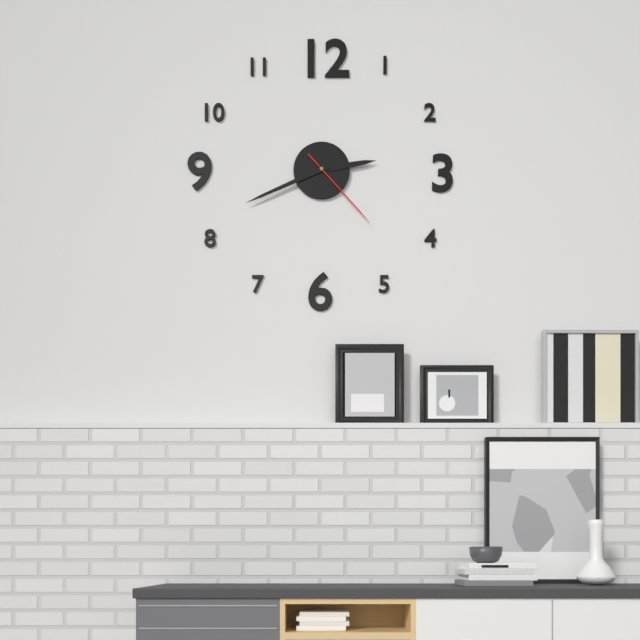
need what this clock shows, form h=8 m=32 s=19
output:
h=2 m=41 s=23
